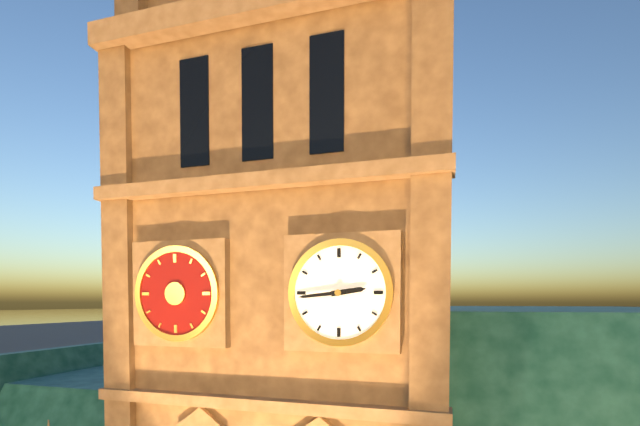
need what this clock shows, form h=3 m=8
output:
h=2 m=44
